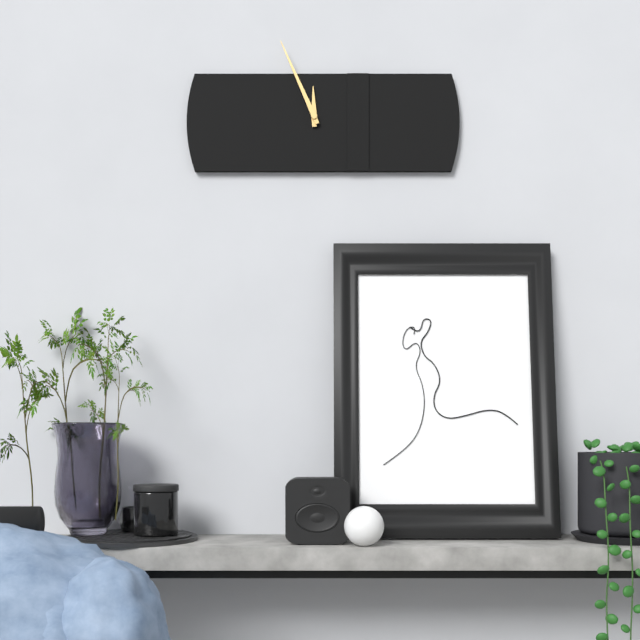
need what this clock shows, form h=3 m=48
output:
h=11 m=56
